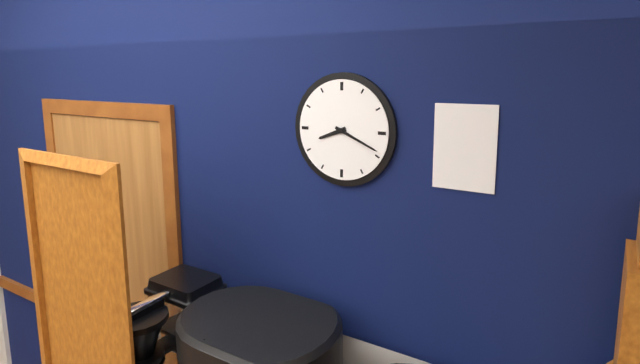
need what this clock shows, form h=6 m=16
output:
h=8 m=19
